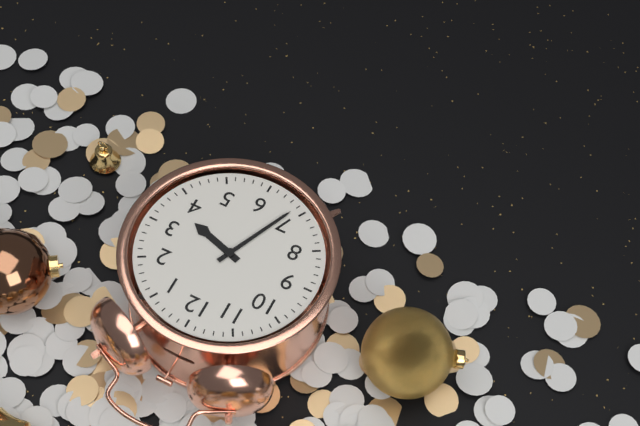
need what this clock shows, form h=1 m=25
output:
h=3 m=34
